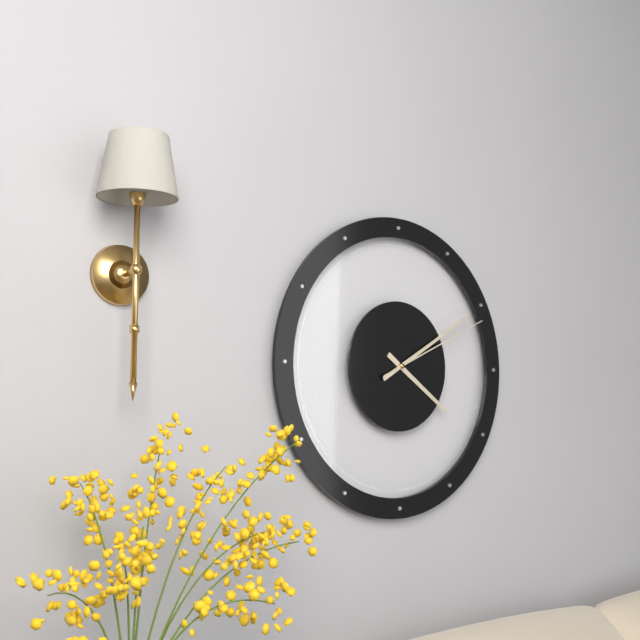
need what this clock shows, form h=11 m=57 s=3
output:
h=4 m=10 s=11
